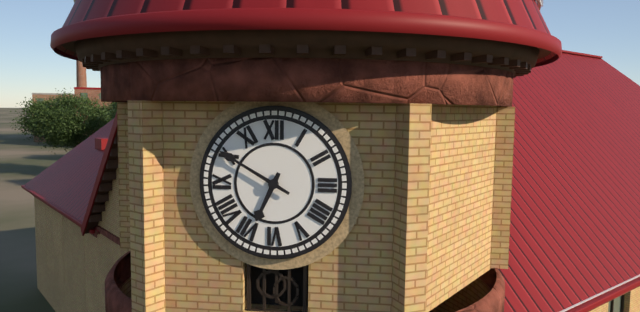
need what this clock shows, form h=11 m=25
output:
h=6 m=50
